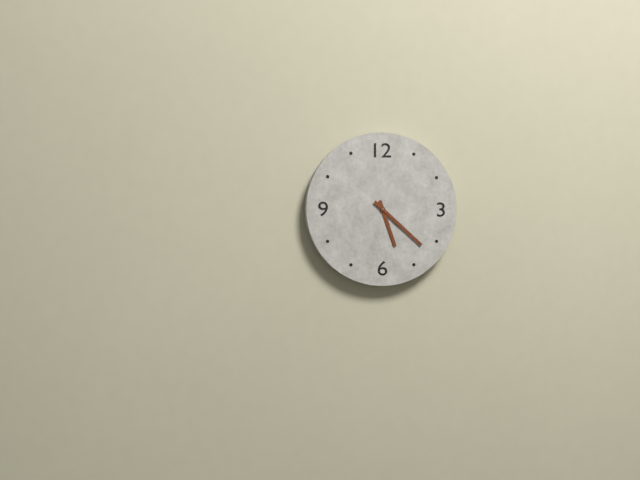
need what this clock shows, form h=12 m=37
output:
h=5 m=22
